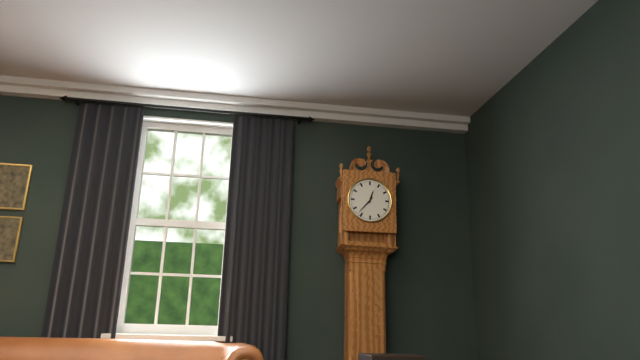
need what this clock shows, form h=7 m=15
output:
h=12 m=37
